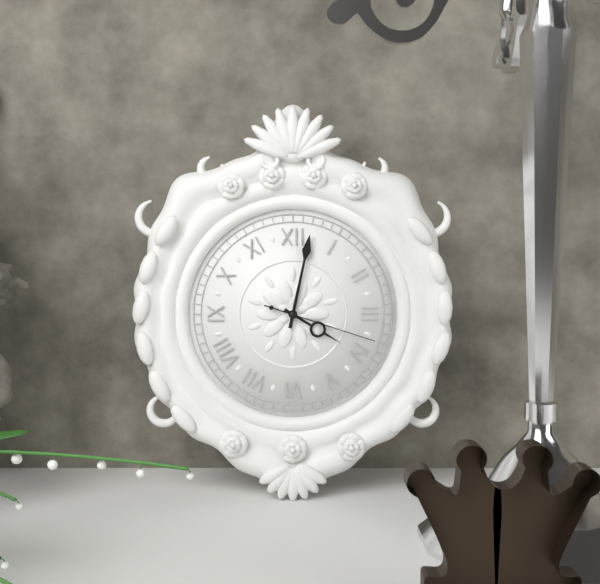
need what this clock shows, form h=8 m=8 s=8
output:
h=4 m=2 s=18
